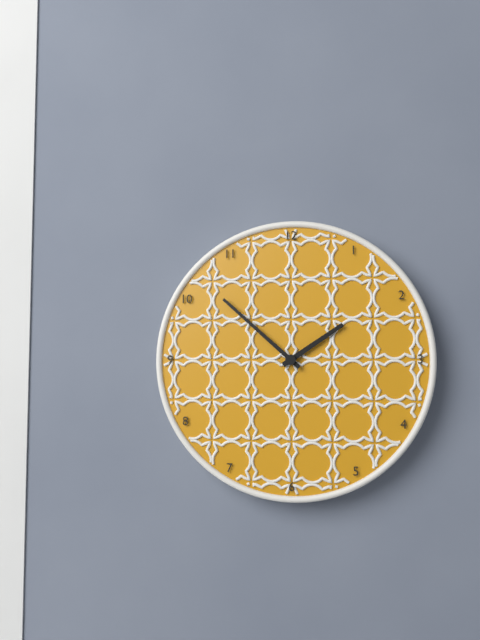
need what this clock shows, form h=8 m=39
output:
h=1 m=52
